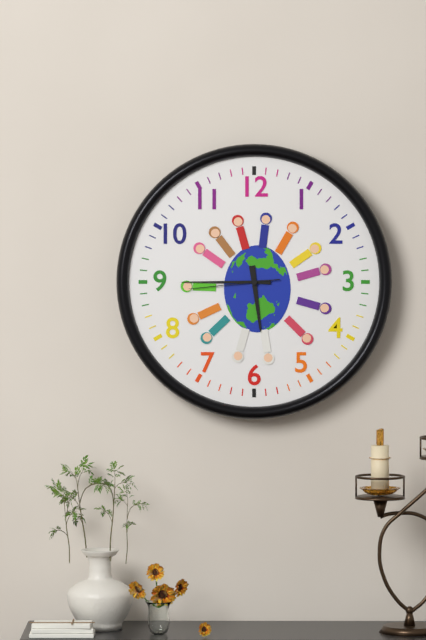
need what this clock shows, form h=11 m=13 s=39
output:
h=5 m=45 s=44
